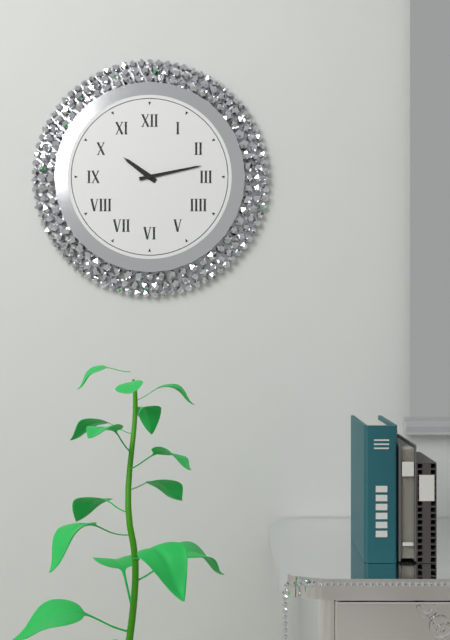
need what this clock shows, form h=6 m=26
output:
h=10 m=13
